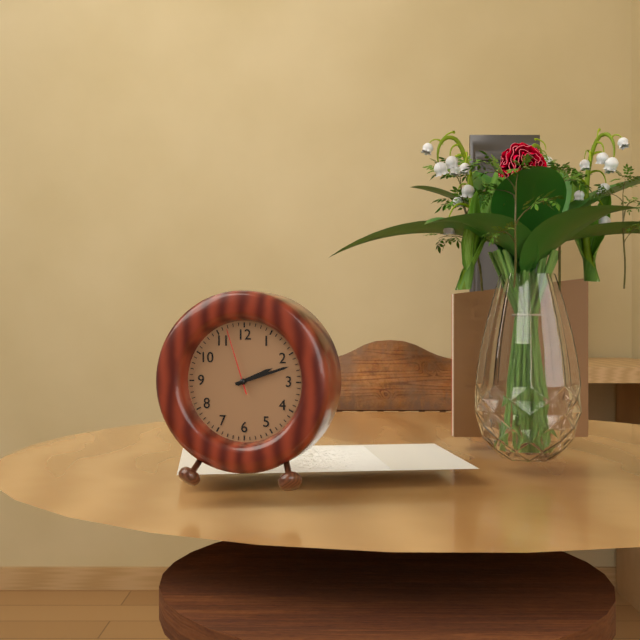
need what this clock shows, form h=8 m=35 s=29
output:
h=2 m=12 s=57
